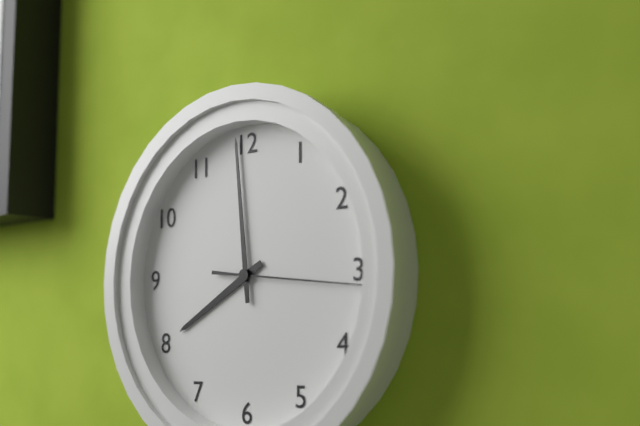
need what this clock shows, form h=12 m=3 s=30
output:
h=7 m=59 s=16
